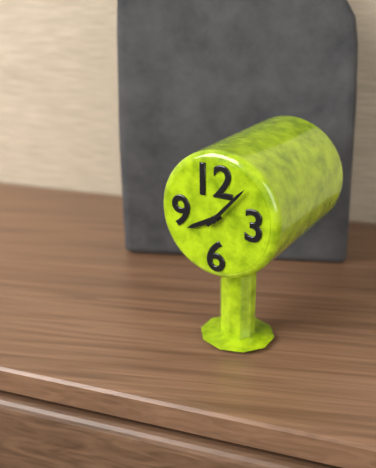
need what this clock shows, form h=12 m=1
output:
h=8 m=7
